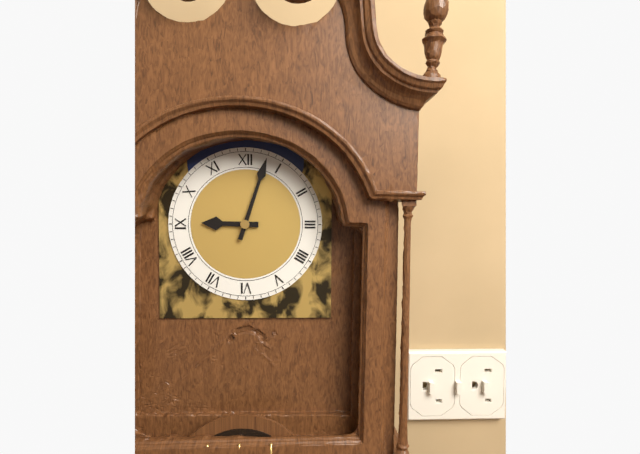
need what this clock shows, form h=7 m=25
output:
h=9 m=3
